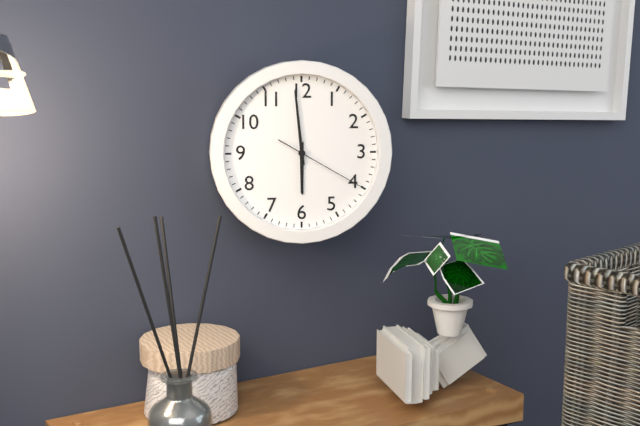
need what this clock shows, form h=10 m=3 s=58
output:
h=5 m=59 s=20
